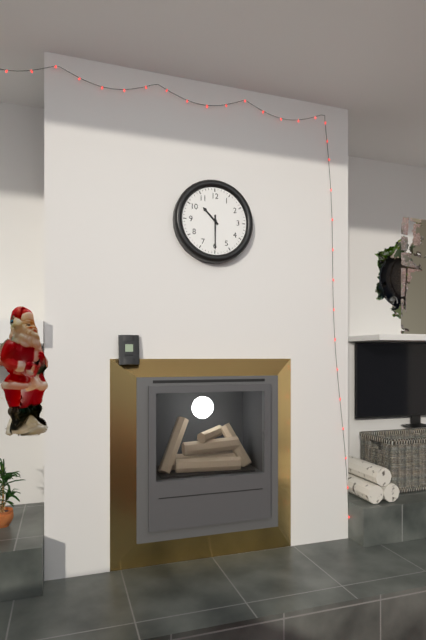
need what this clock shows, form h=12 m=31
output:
h=10 m=30
